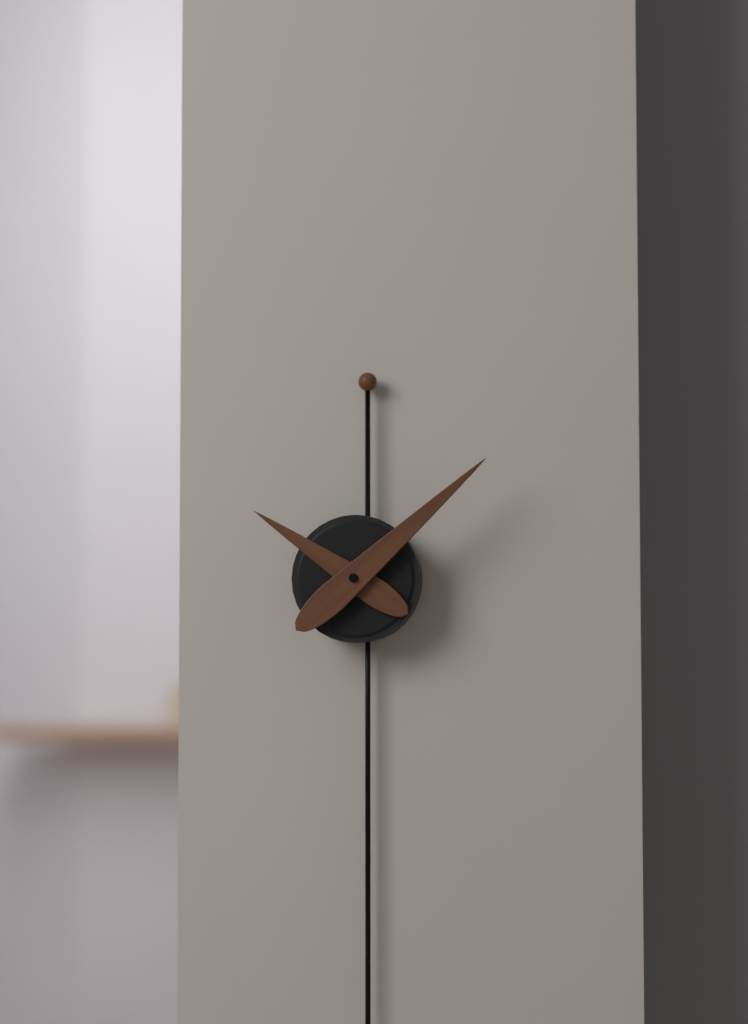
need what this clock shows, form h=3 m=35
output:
h=10 m=8
